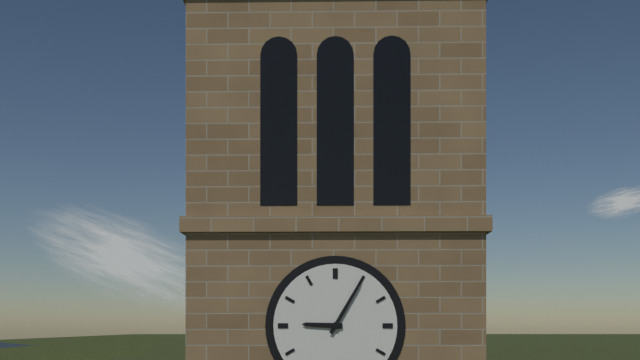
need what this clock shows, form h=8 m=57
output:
h=9 m=5
